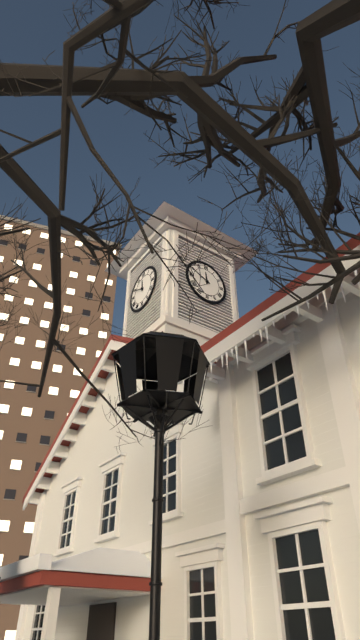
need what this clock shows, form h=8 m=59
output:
h=11 m=49
